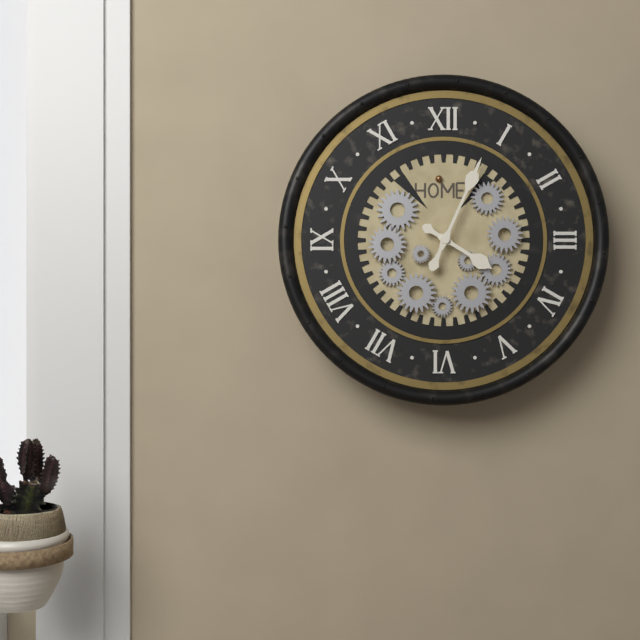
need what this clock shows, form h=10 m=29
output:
h=4 m=4
